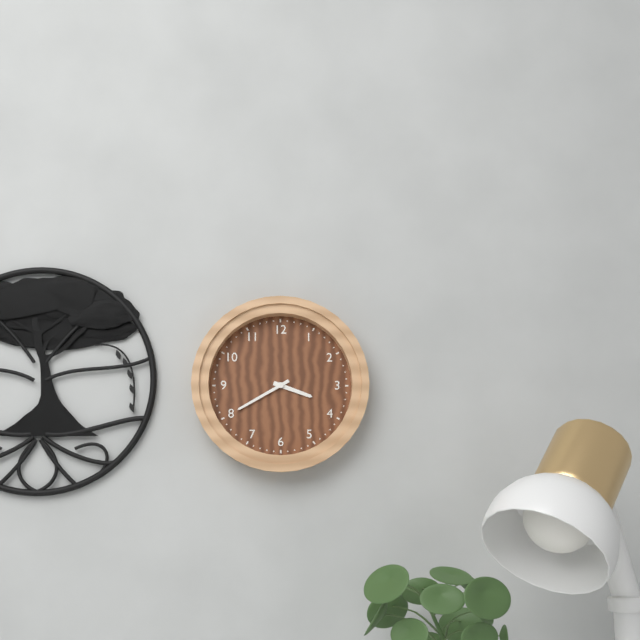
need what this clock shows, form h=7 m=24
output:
h=3 m=40
